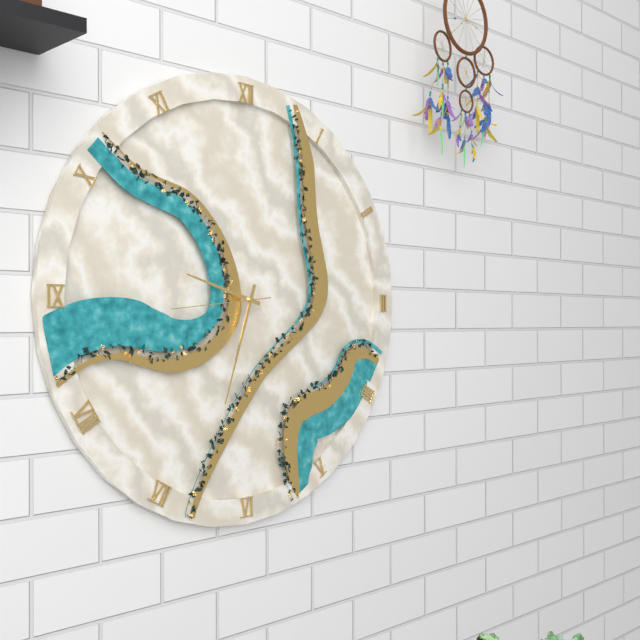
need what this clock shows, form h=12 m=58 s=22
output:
h=9 m=33 s=44
